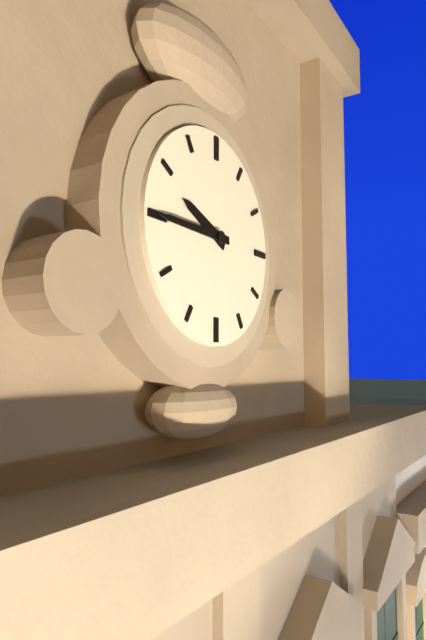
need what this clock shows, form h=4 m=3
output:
h=9 m=45
